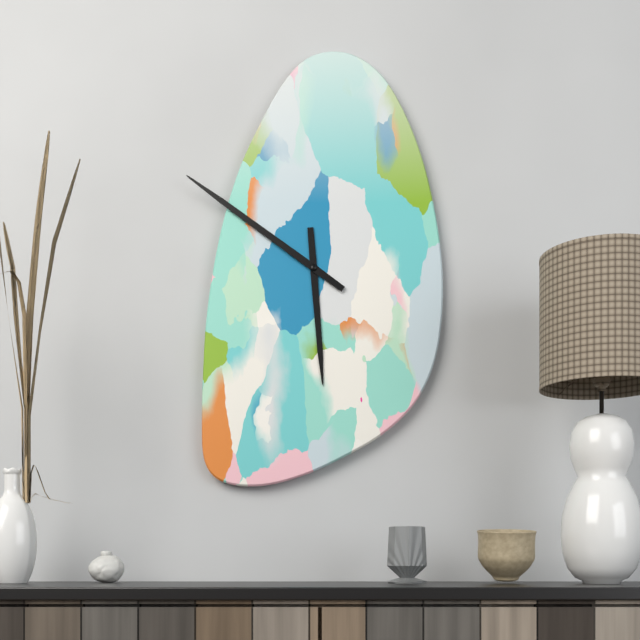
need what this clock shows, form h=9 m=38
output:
h=5 m=51
